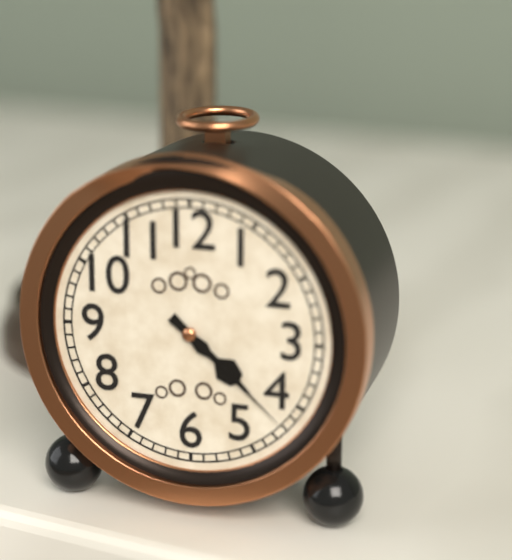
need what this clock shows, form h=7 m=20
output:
h=4 m=22
